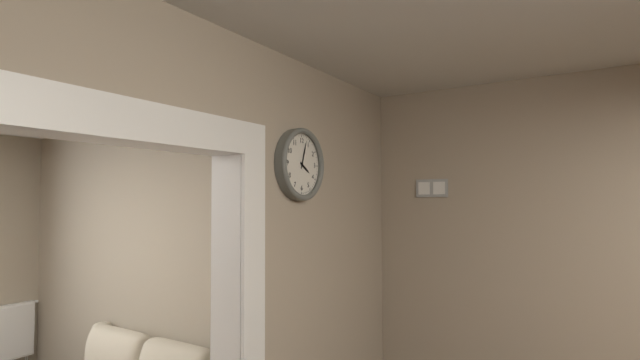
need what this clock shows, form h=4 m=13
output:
h=4 m=3
